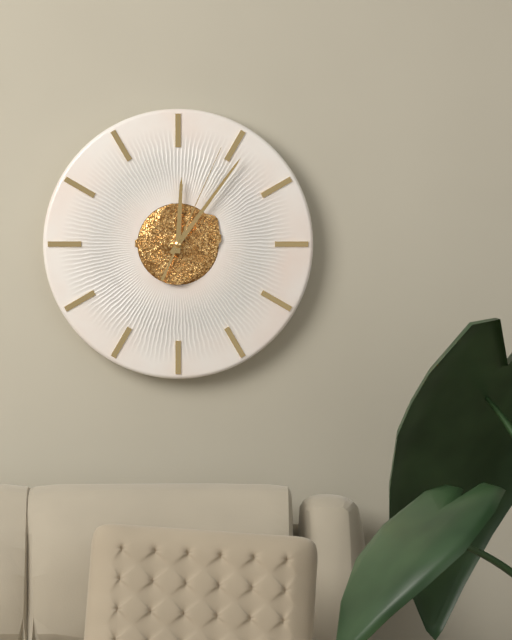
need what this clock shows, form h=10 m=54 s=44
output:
h=12 m=6 s=4
